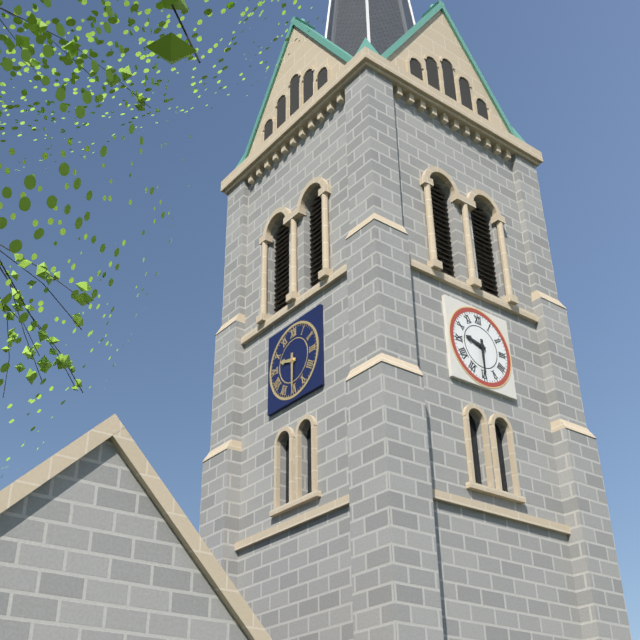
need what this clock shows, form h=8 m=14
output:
h=9 m=30
